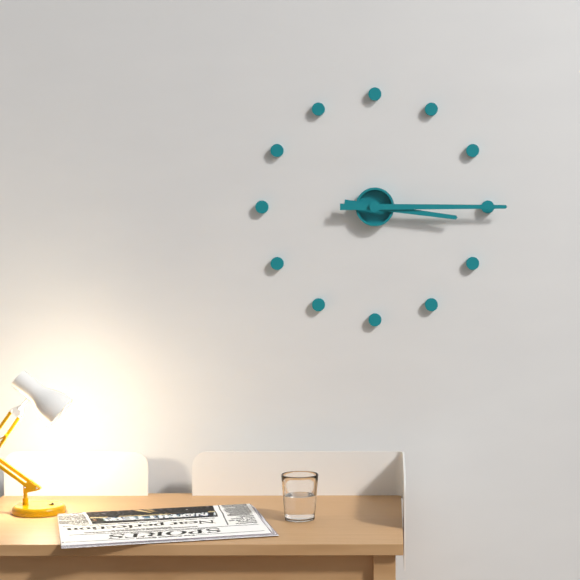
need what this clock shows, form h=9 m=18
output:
h=3 m=15
